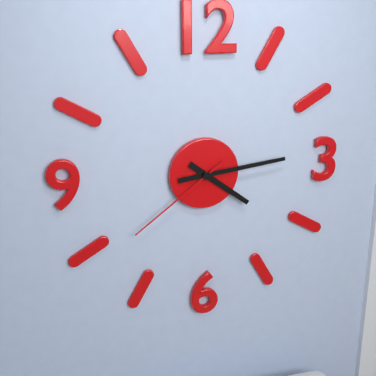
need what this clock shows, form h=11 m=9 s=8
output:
h=4 m=14 s=39
